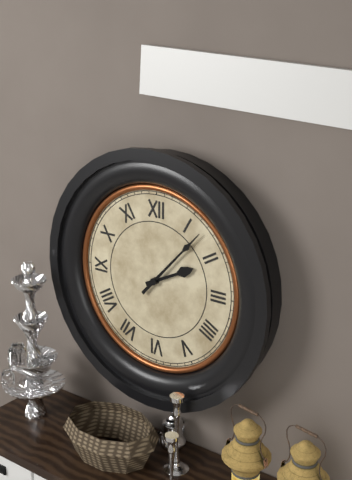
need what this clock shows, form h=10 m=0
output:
h=2 m=7
